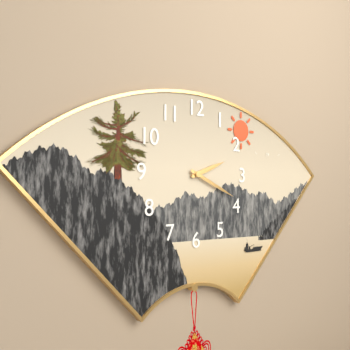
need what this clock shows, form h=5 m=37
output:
h=2 m=19
